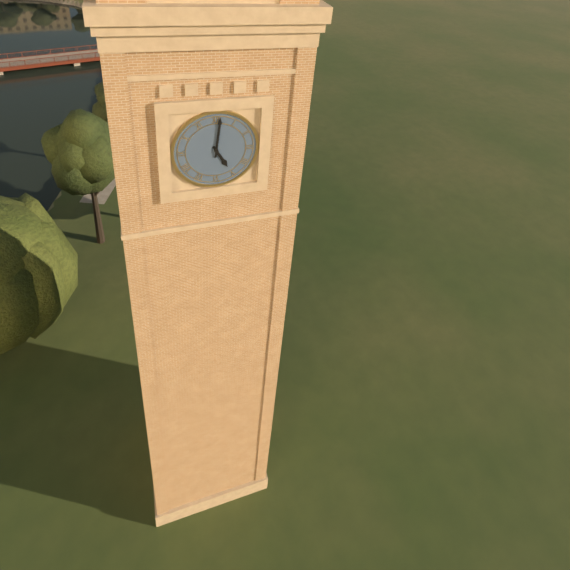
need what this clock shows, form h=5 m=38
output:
h=5 m=1
